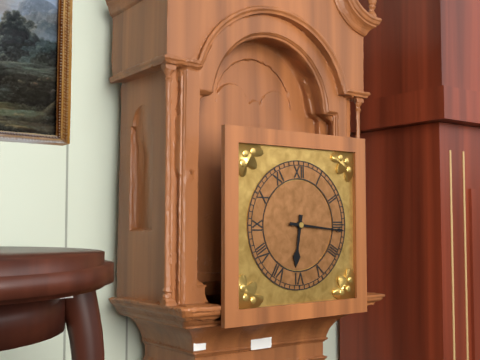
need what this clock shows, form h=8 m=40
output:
h=6 m=16
